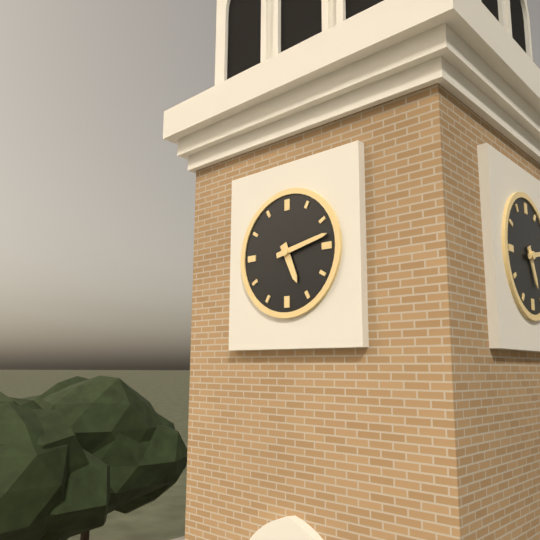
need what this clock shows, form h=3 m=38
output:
h=5 m=13
